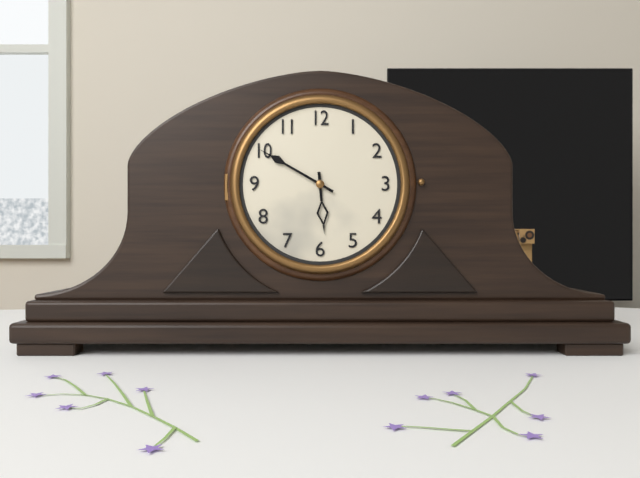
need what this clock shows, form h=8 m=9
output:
h=5 m=50
